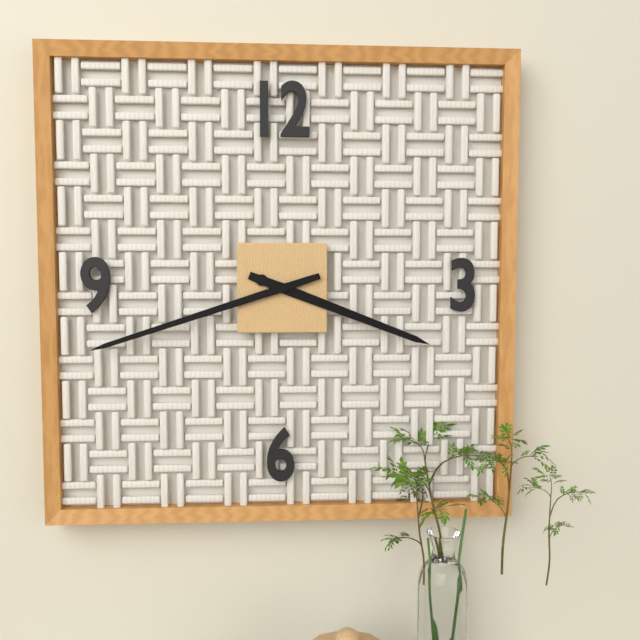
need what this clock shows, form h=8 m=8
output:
h=3 m=42
